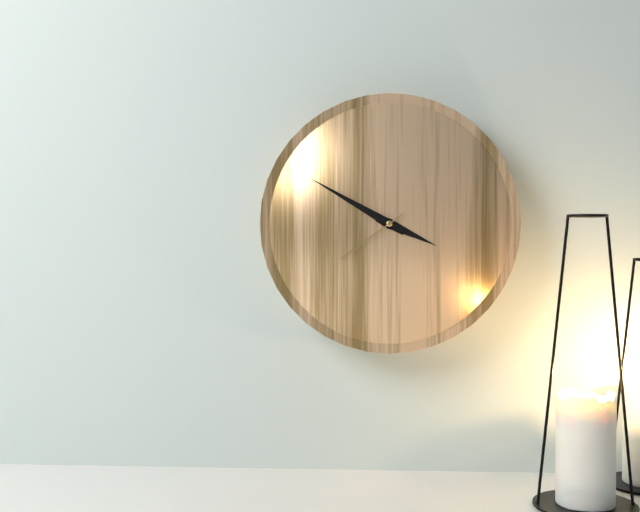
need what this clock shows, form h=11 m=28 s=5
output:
h=3 m=50 s=39
